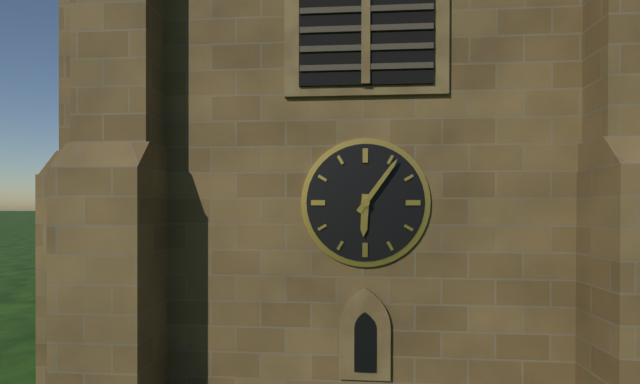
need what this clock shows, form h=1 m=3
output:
h=6 m=6
